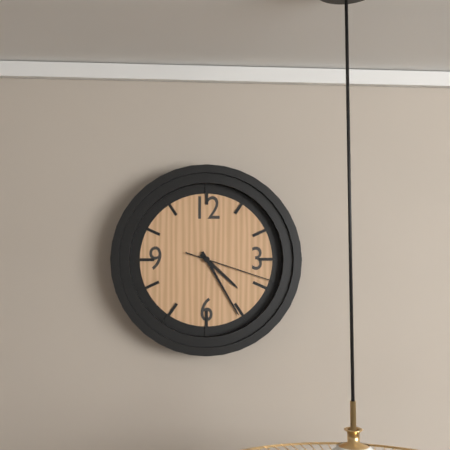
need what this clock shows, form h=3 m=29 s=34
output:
h=4 m=25 s=18
